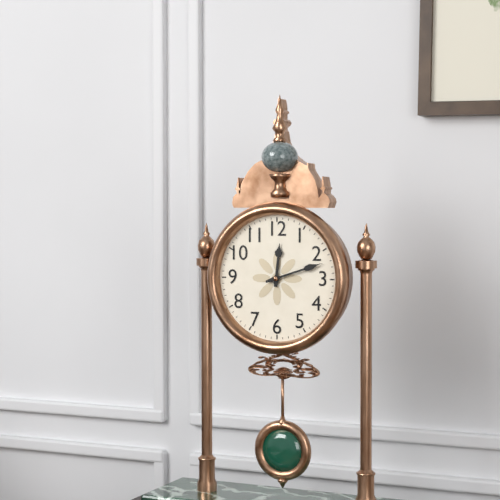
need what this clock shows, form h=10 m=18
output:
h=12 m=12
